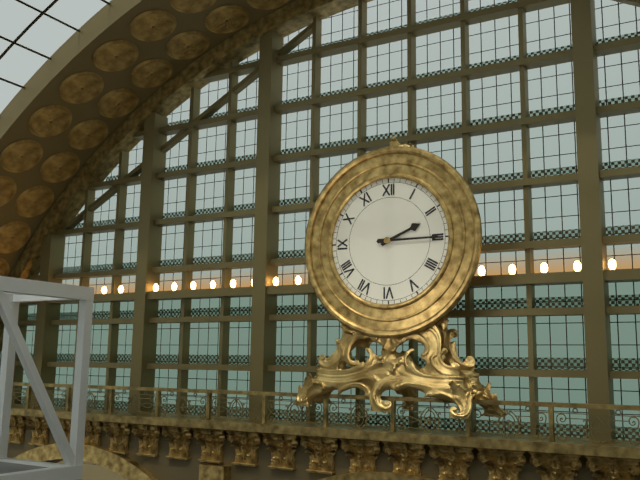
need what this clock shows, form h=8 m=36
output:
h=2 m=15
